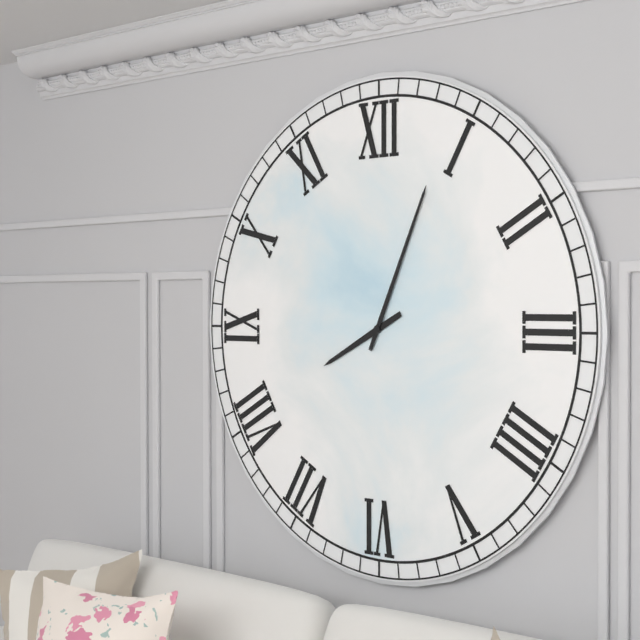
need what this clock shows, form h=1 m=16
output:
h=8 m=4
